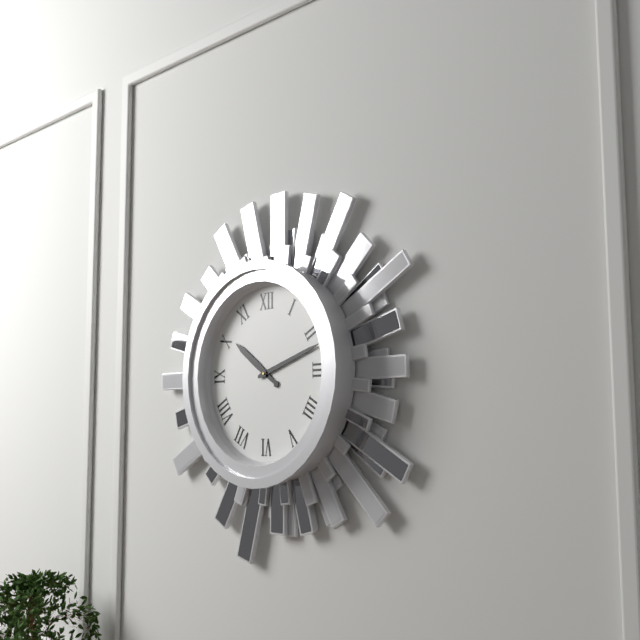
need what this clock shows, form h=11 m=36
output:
h=10 m=12
